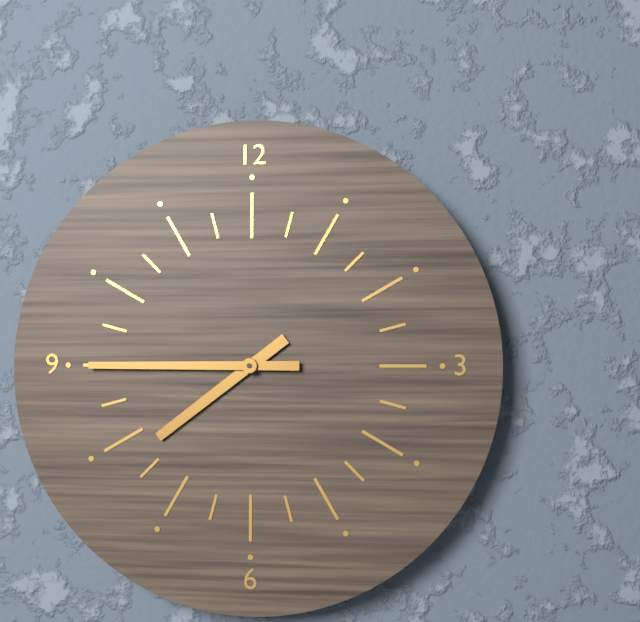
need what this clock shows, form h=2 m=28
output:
h=7 m=45
